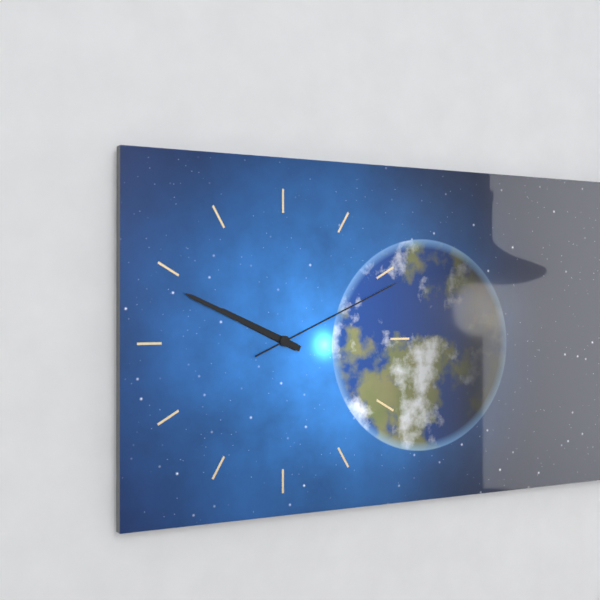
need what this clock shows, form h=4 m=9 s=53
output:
h=9 m=49 s=11
